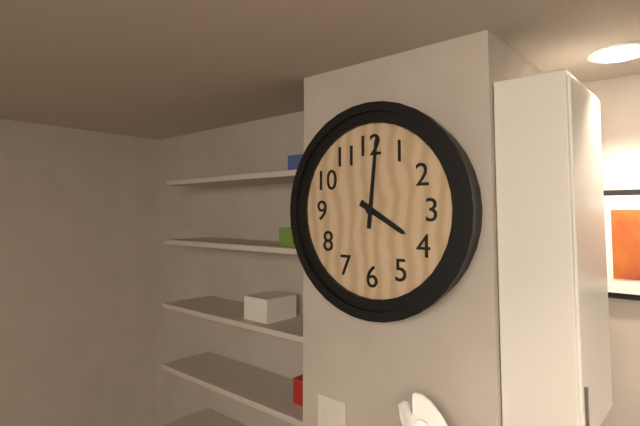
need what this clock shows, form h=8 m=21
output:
h=4 m=1
